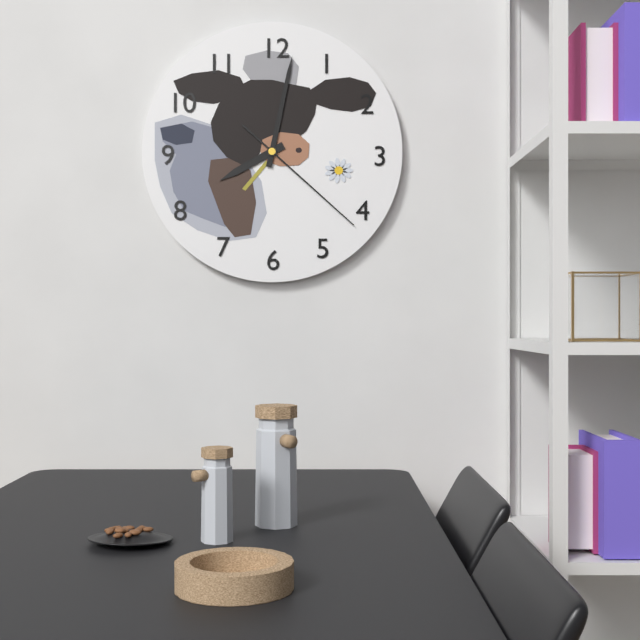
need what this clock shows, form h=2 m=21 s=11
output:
h=8 m=2 s=22
